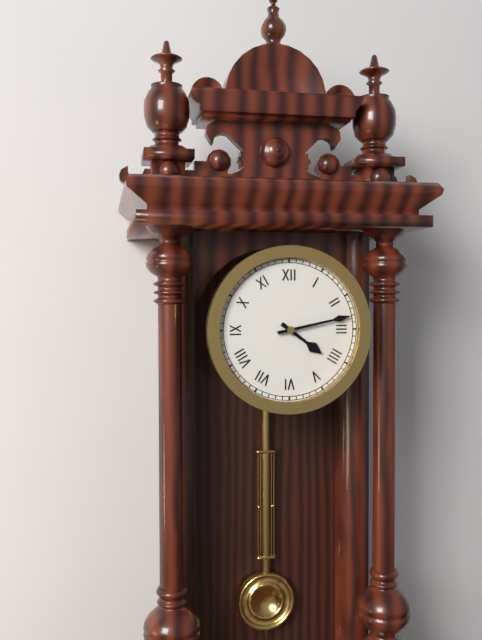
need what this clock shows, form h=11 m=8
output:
h=4 m=13
